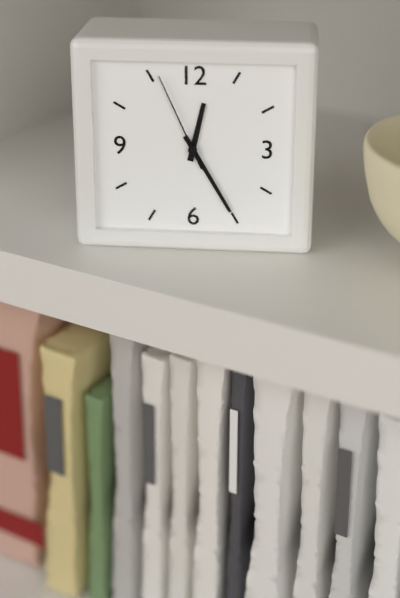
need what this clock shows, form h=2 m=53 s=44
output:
h=12 m=25 s=56
